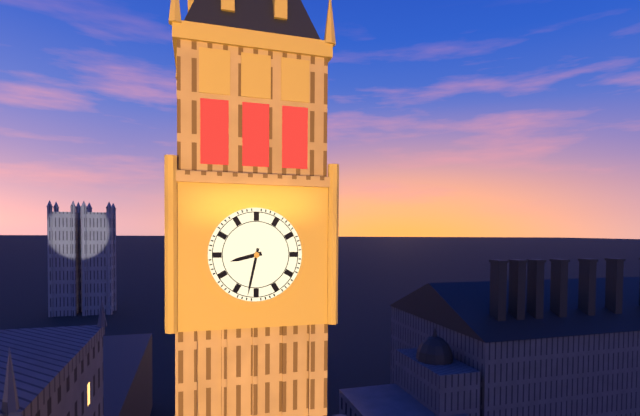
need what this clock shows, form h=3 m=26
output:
h=8 m=32
